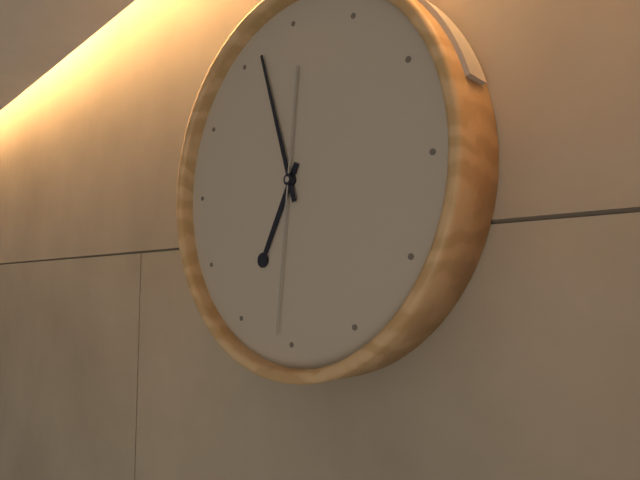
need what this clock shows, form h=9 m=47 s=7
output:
h=6 m=57 s=31
